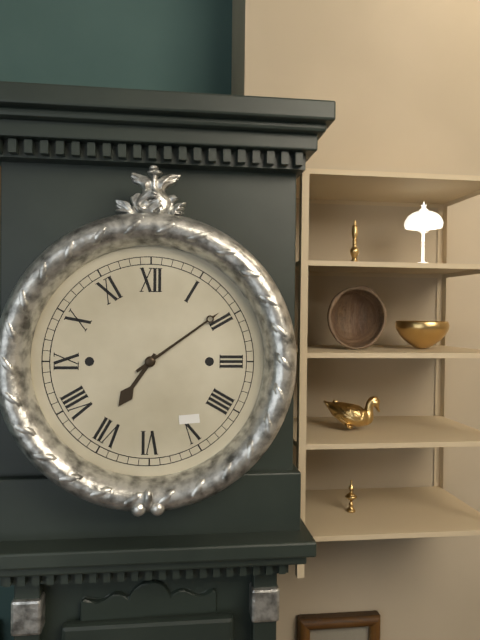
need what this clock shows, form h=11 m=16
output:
h=7 m=9
